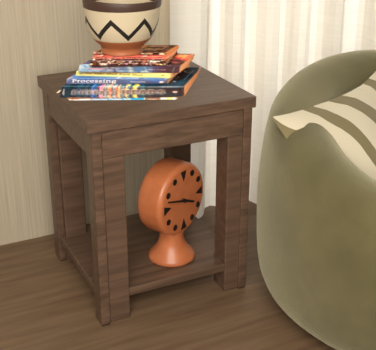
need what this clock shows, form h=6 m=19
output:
h=3 m=48
